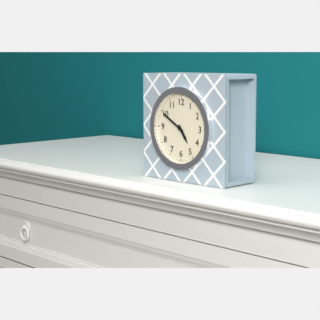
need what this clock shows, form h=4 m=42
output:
h=4 m=50
